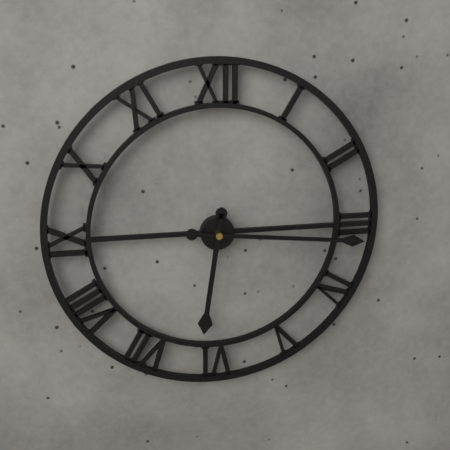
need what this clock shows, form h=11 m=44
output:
h=6 m=16
